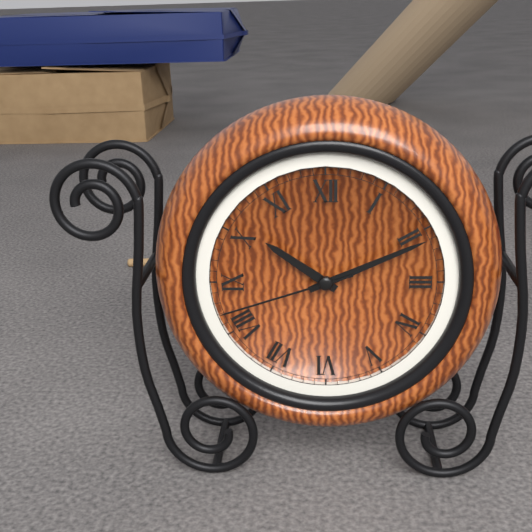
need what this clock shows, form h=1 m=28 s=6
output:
h=10 m=11 s=42
